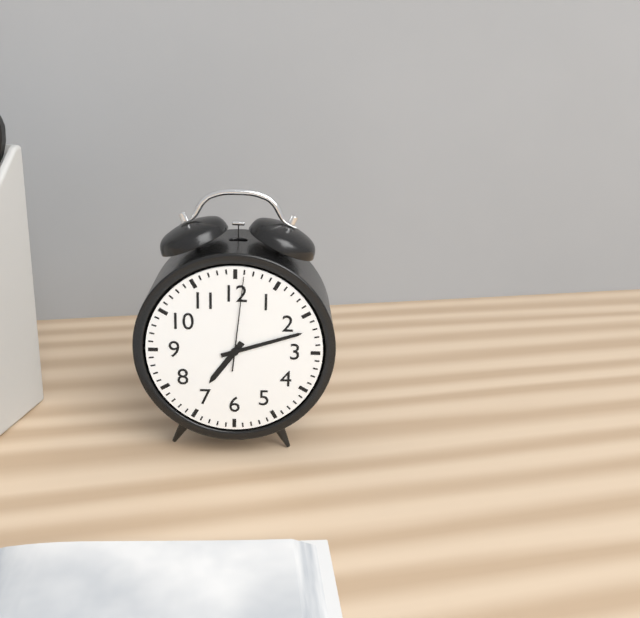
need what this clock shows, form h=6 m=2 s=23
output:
h=7 m=12 s=1
